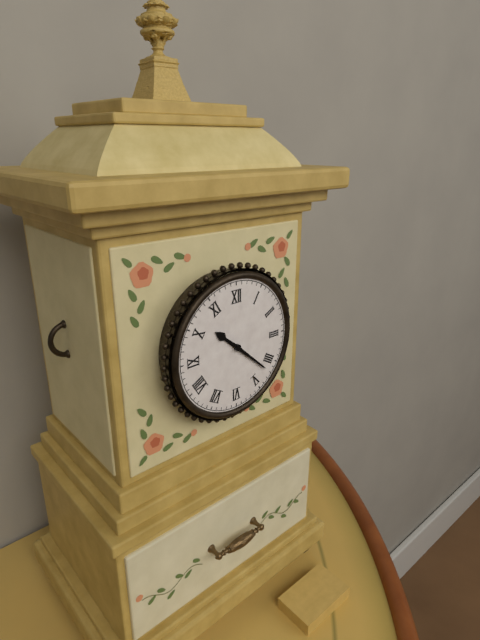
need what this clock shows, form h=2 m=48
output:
h=10 m=22
